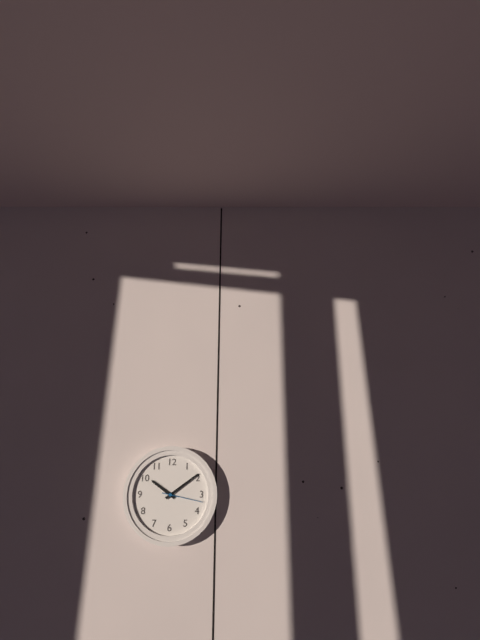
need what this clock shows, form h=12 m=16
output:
h=10 m=9
